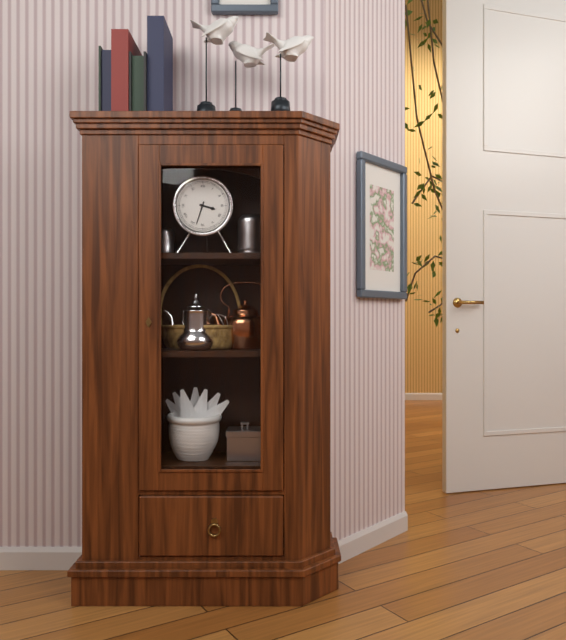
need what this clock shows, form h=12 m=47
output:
h=3 m=33
